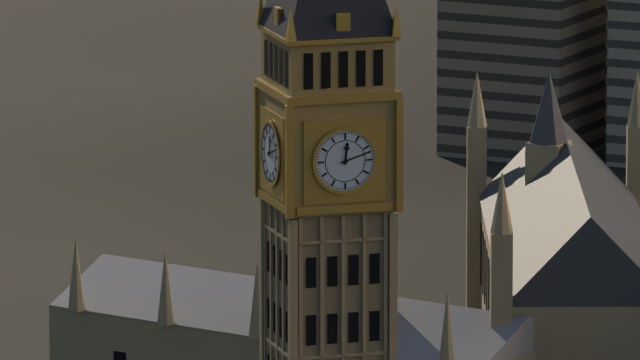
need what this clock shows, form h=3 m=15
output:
h=12 m=12
